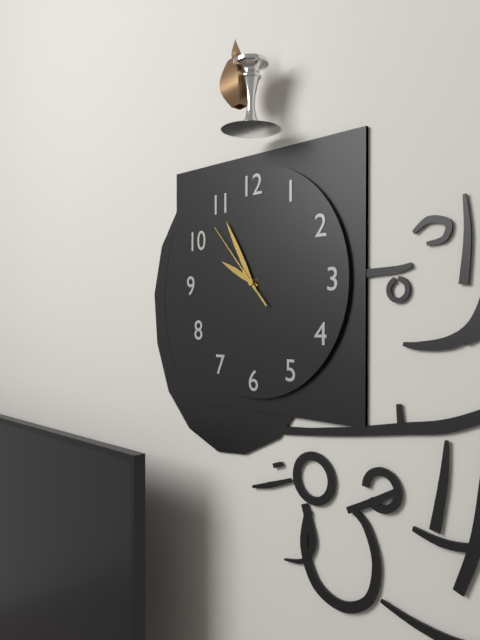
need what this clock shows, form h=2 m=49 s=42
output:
h=9 m=55 s=53
